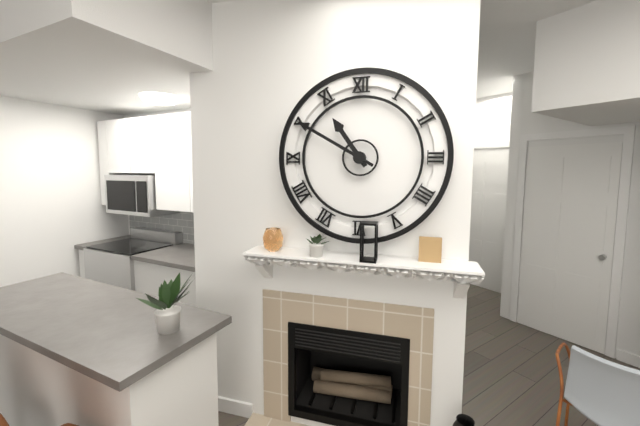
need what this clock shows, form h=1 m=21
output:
h=10 m=50
